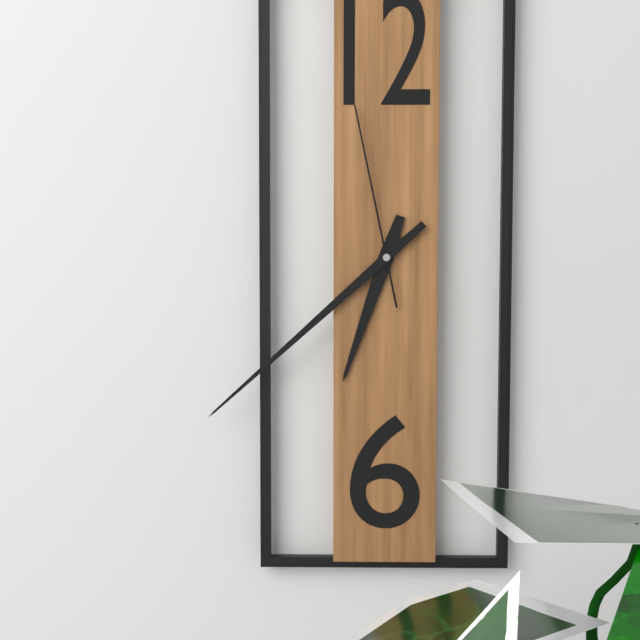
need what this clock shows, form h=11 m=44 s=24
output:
h=6 m=38 s=58
